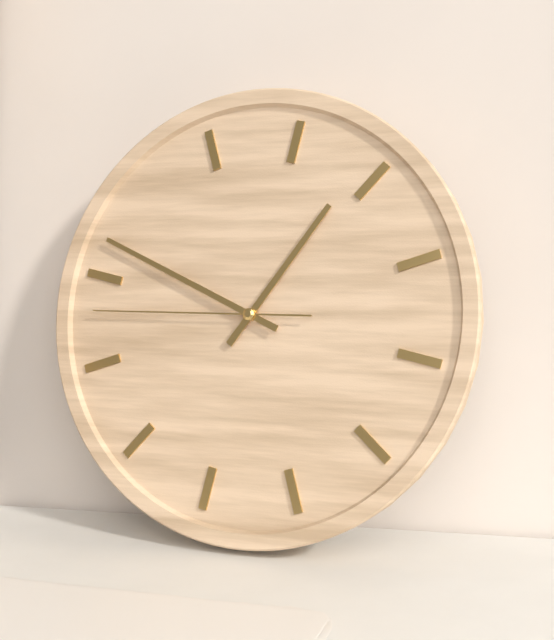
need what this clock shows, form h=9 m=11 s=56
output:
h=12 m=47 s=43
